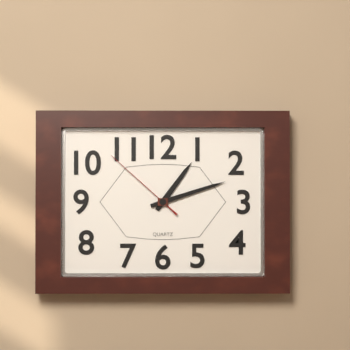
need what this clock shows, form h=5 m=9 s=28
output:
h=1 m=12 s=52
